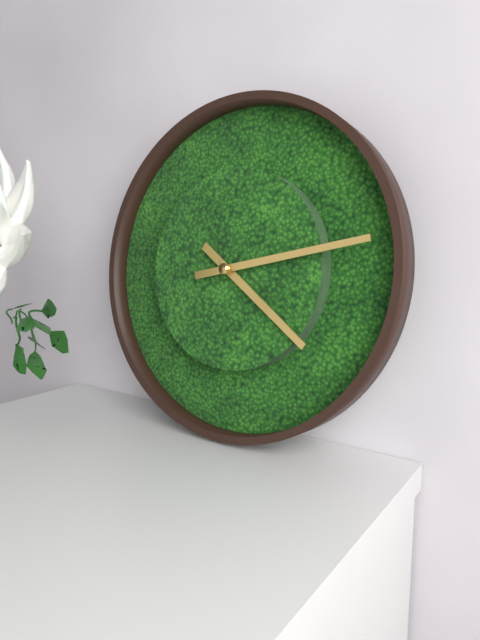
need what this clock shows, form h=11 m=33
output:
h=4 m=13
